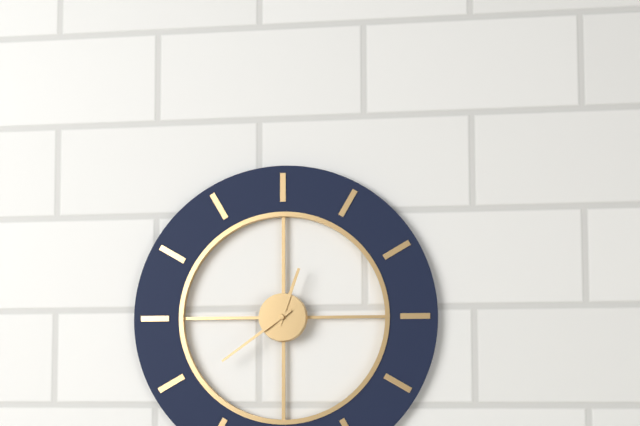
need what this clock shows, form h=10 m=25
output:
h=12 m=39
